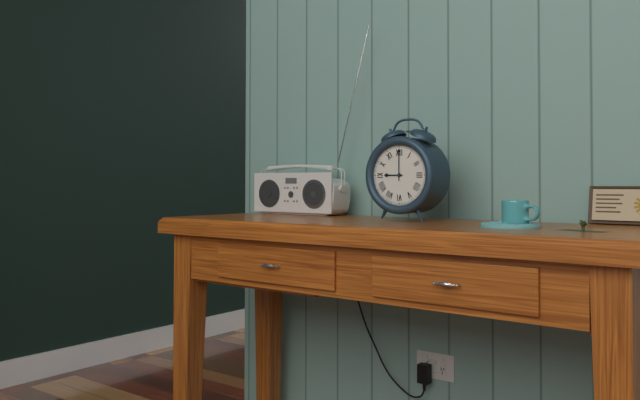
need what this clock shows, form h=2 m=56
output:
h=9 m=0
